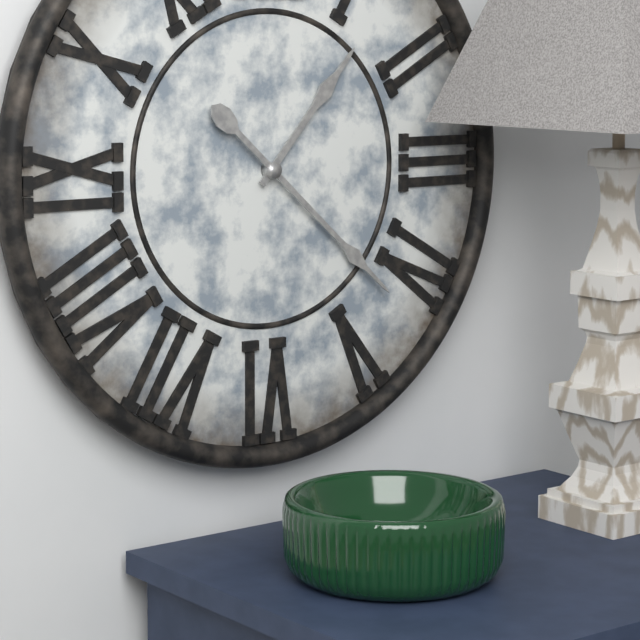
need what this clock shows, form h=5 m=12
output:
h=1 m=22
